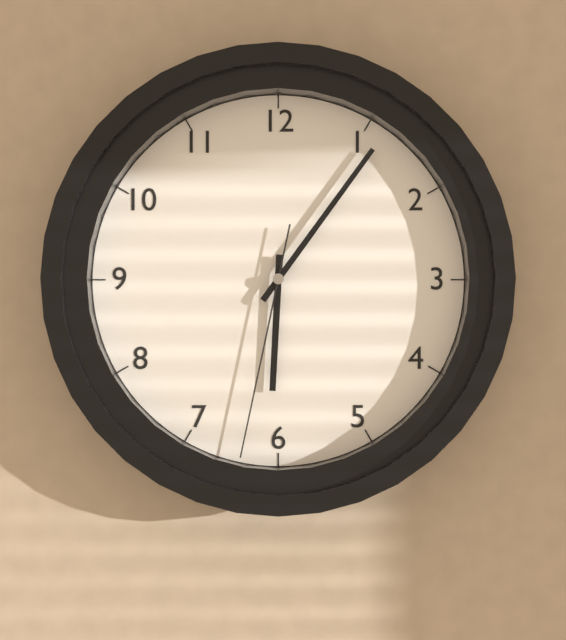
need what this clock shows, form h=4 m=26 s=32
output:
h=6 m=6 s=32
